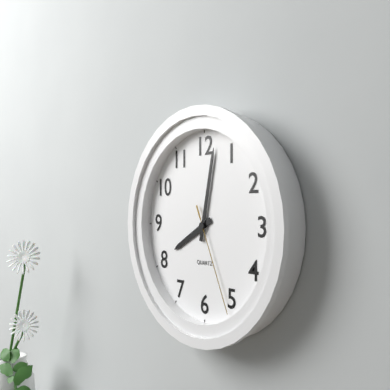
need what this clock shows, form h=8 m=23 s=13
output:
h=8 m=2 s=26
